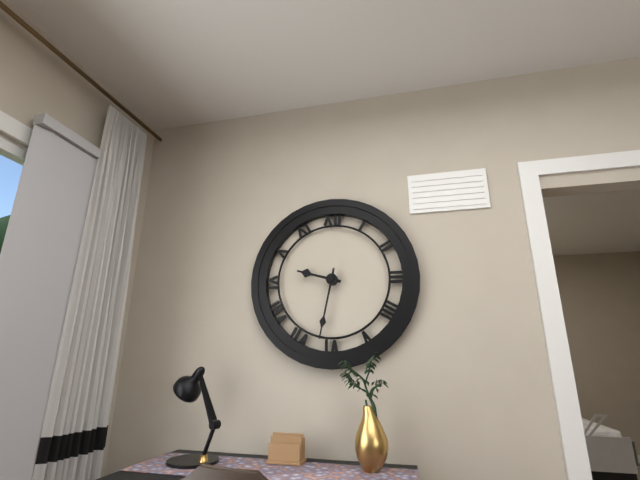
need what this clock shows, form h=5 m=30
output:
h=9 m=32
